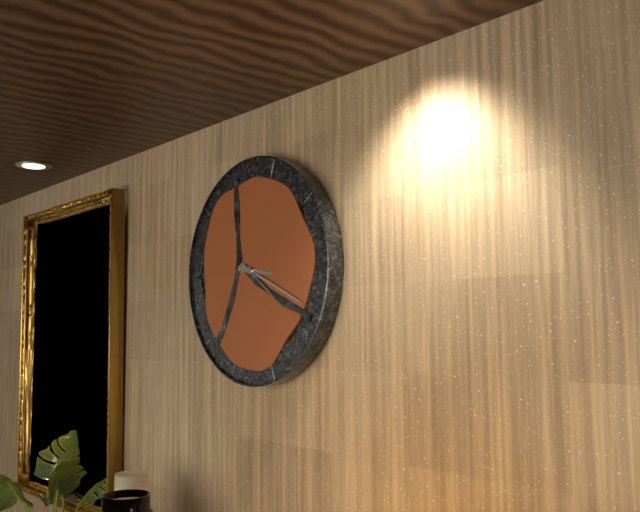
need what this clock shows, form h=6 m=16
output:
h=3 m=19
